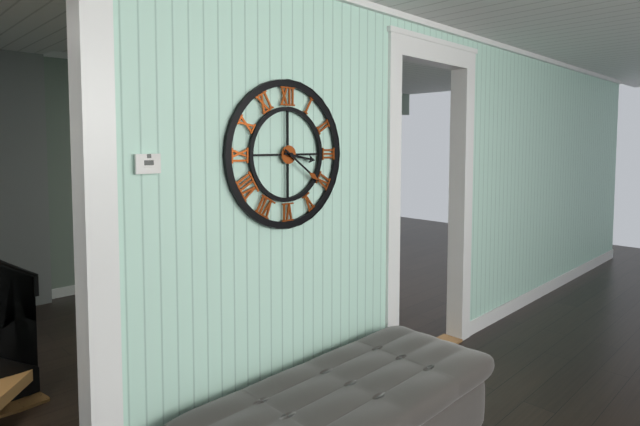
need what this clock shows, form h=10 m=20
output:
h=3 m=21
